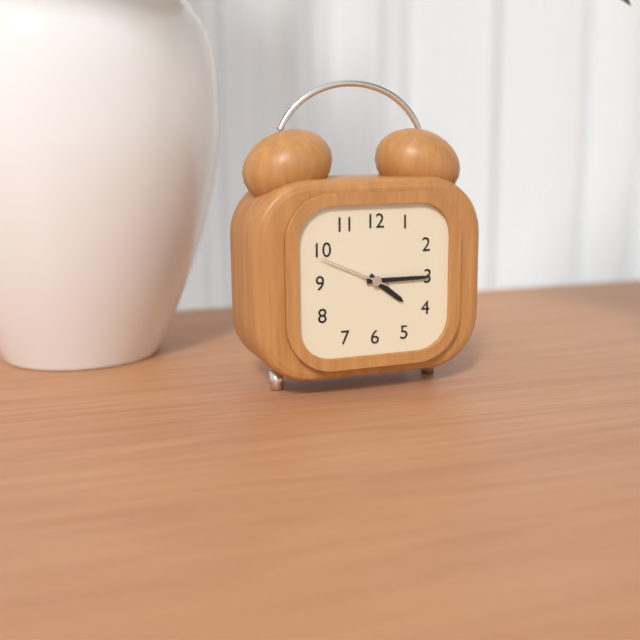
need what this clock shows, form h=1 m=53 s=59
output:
h=4 m=15 s=49
